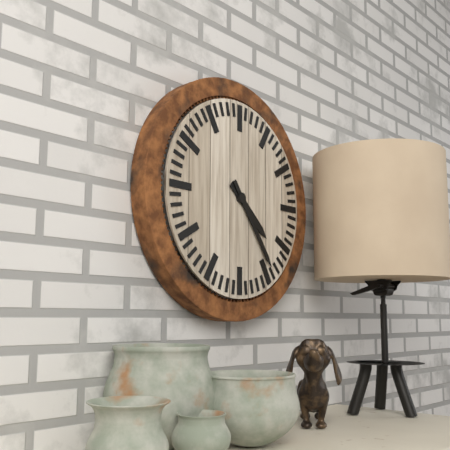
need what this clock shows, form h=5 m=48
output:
h=4 m=24
